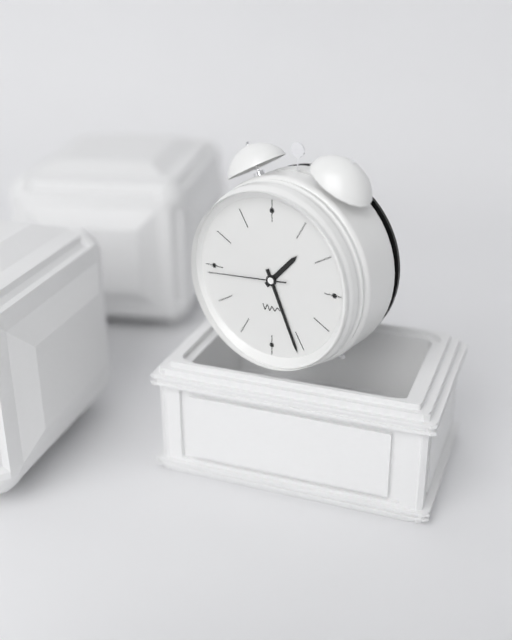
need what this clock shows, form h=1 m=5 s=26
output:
h=1 m=26 s=44
